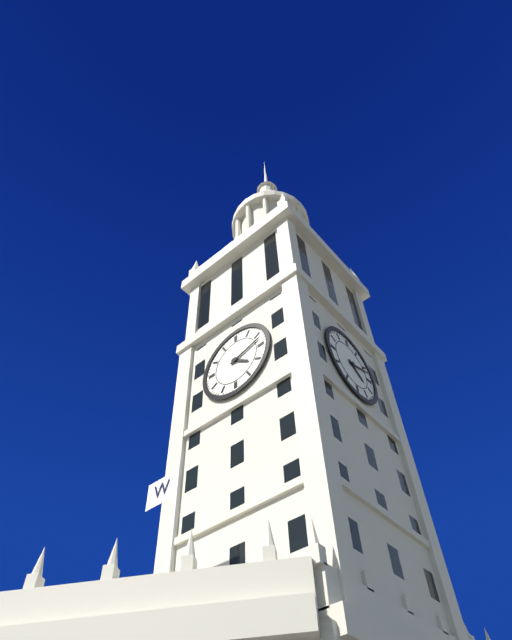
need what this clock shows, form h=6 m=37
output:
h=4 m=12
